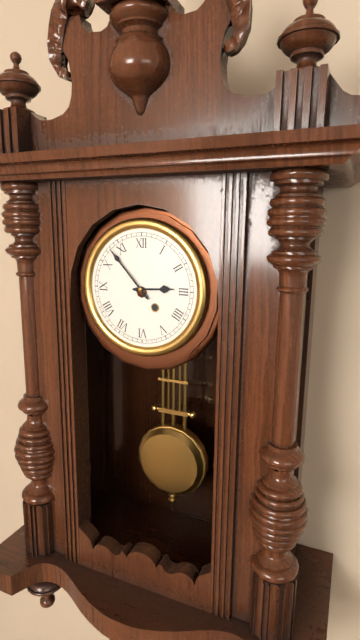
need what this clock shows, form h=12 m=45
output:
h=2 m=53
